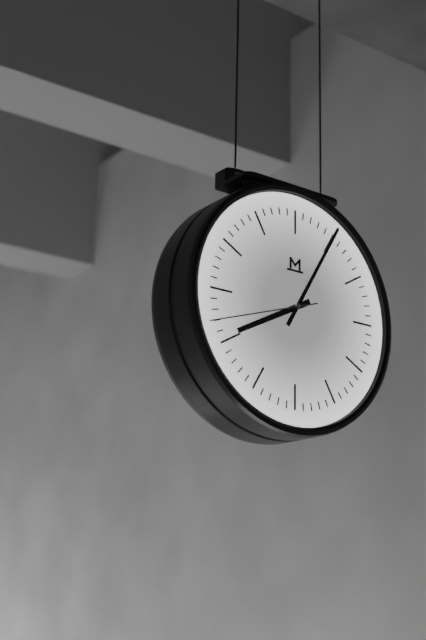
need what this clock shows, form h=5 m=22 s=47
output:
h=8 m=5 s=42
